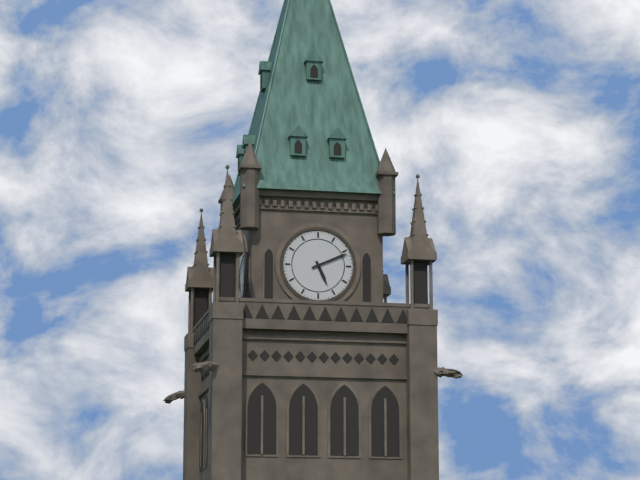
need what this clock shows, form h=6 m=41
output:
h=5 m=11
